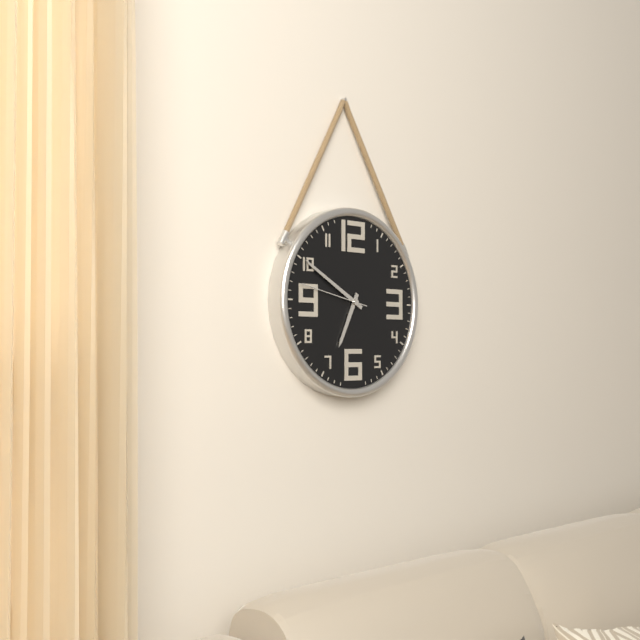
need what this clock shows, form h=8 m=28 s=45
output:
h=6 m=50 s=47
